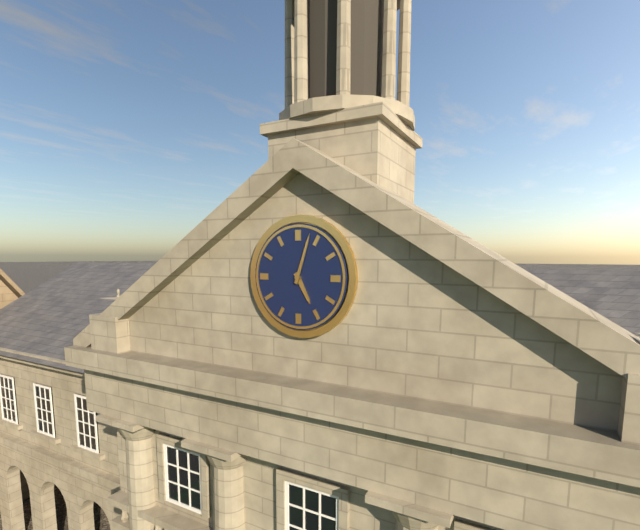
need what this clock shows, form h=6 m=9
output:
h=5 m=3
